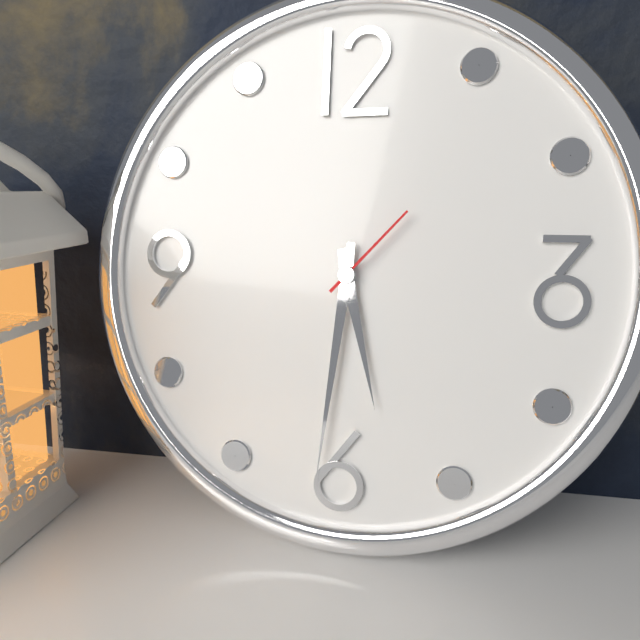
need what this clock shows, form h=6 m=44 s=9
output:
h=5 m=31 s=7
